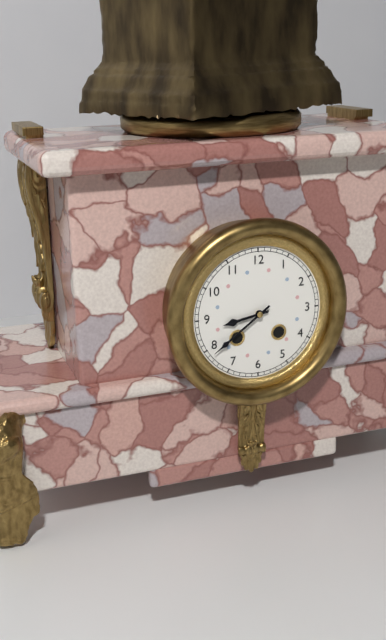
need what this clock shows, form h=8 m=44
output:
h=8 m=39
